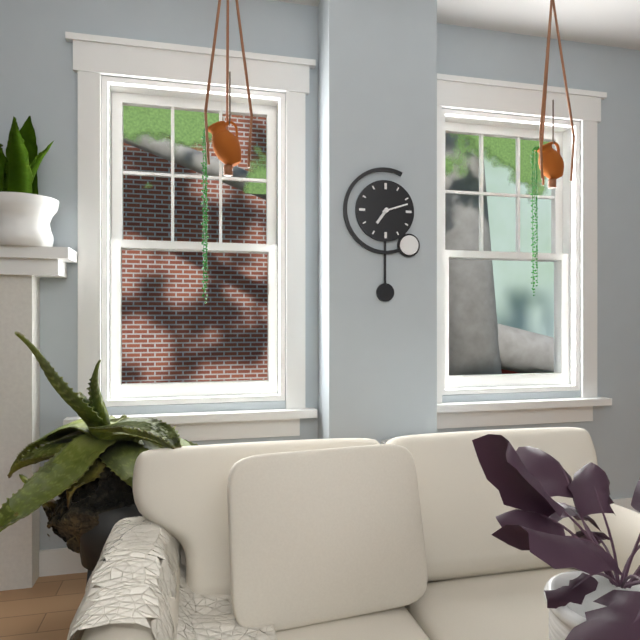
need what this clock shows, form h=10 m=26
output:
h=7 m=12
